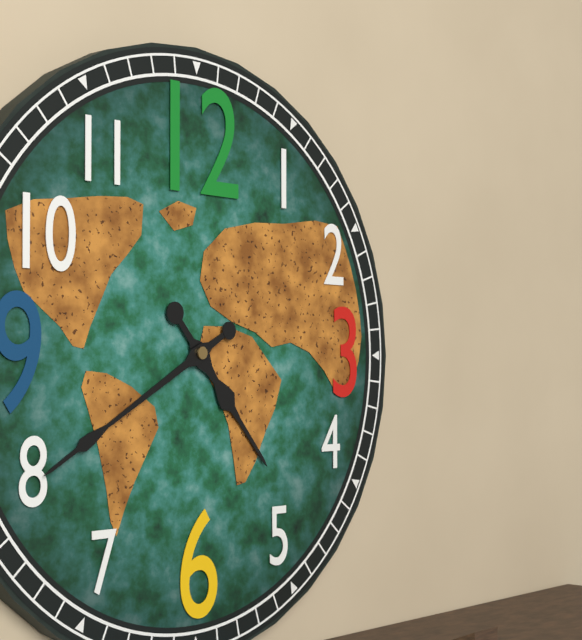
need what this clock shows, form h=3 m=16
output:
h=4 m=40
